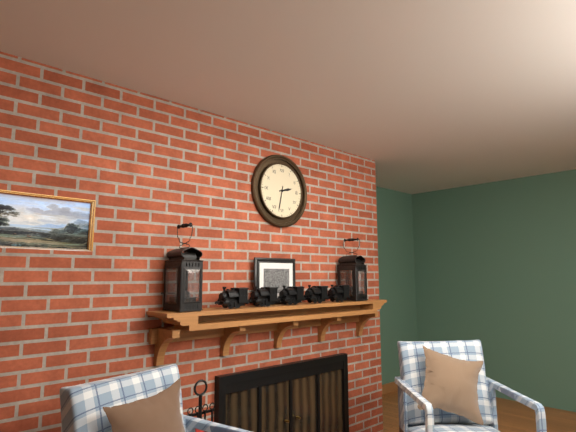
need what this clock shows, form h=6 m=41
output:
h=2 m=32
